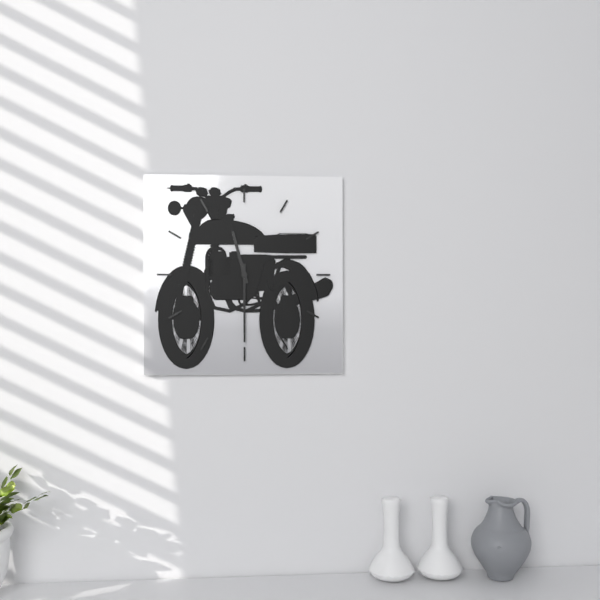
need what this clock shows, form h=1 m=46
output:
h=11 m=30
